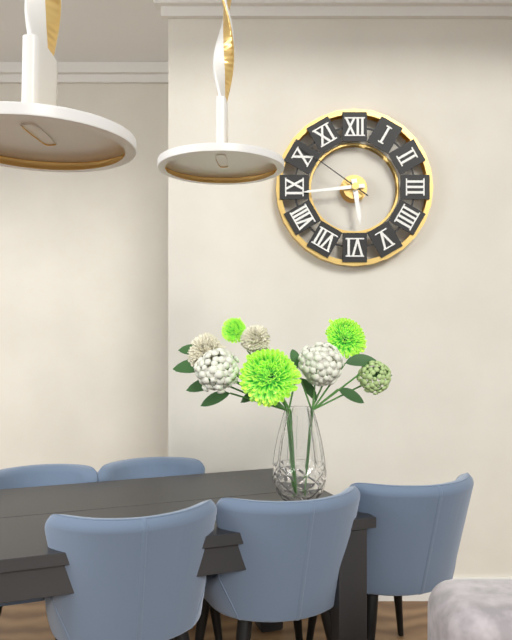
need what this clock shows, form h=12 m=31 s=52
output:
h=5 m=44 s=51
